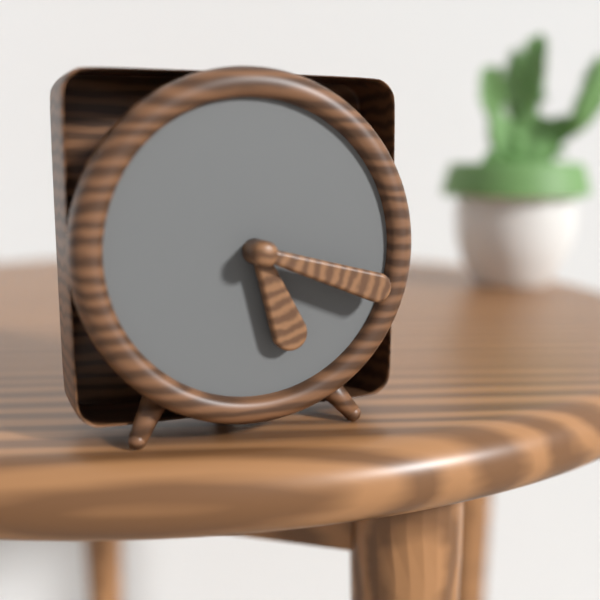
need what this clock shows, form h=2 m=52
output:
h=5 m=18
